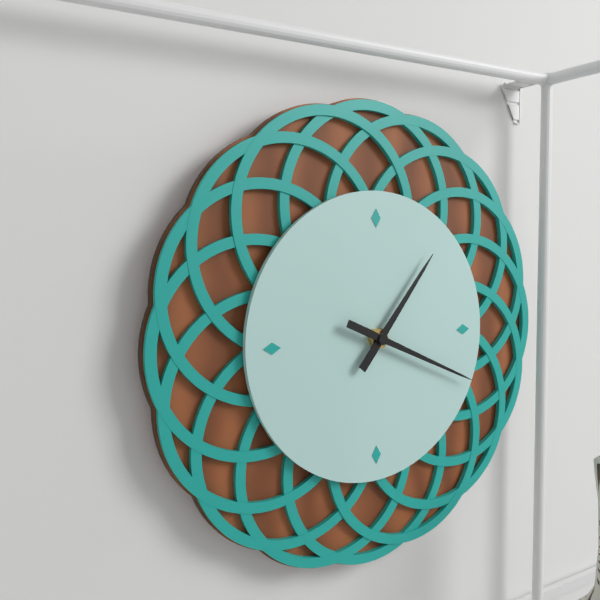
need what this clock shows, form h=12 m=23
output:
h=1 m=19
